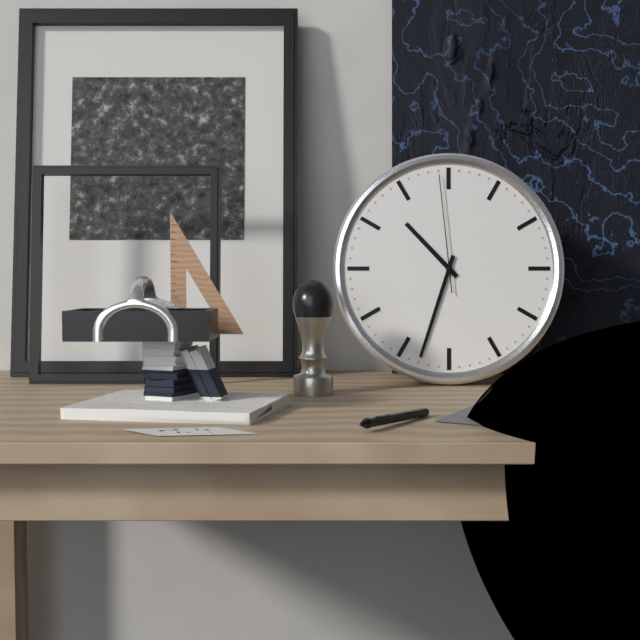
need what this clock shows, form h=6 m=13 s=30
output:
h=10 m=33 s=59
